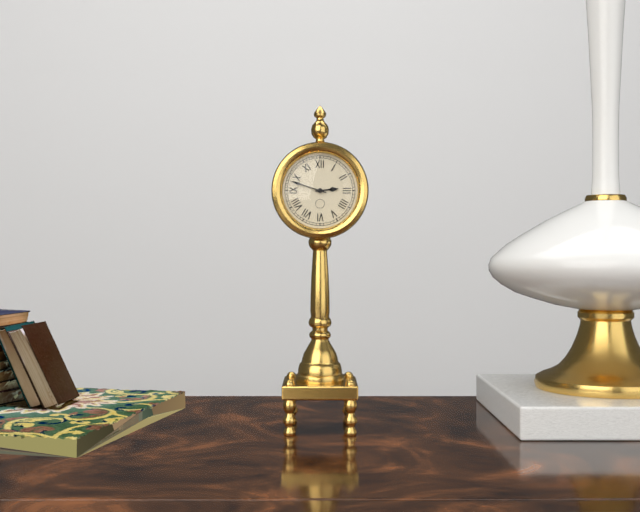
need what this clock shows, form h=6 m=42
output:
h=2 m=48
